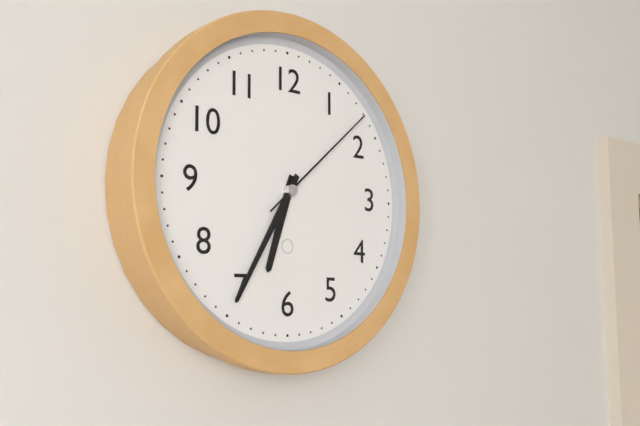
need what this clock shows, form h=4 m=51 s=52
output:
h=6 m=35 s=8
